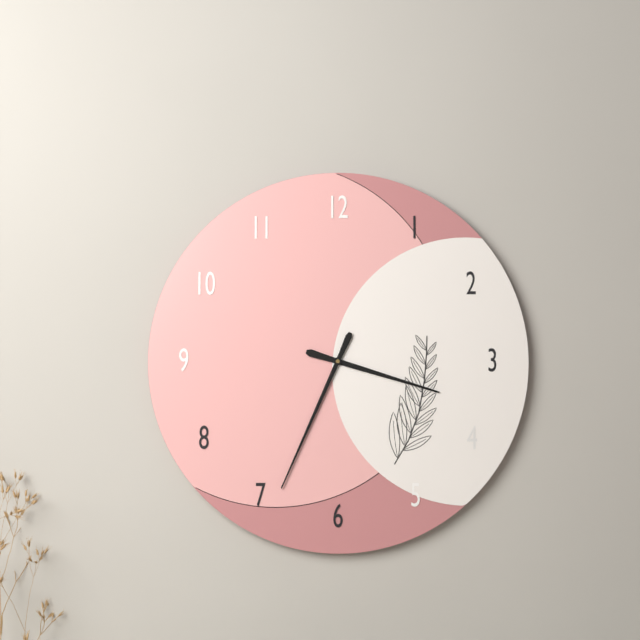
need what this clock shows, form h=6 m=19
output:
h=3 m=34
